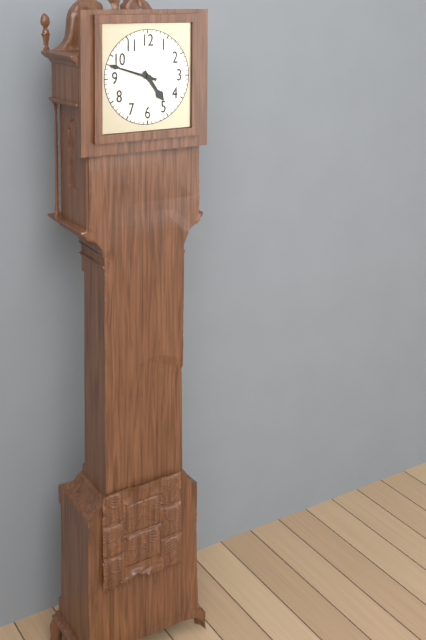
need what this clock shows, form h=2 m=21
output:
h=4 m=48
